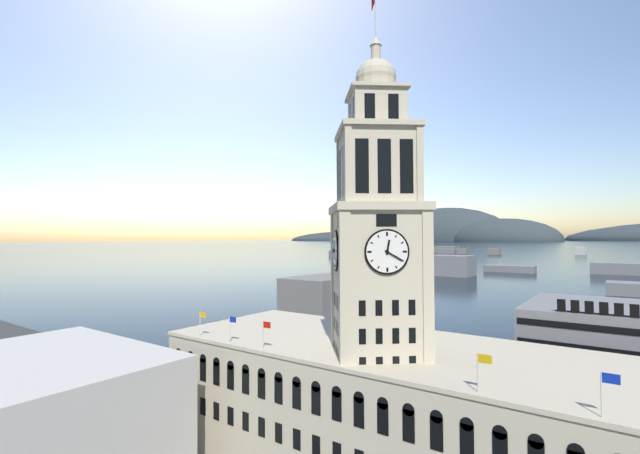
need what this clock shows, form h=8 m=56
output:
h=12 m=20
